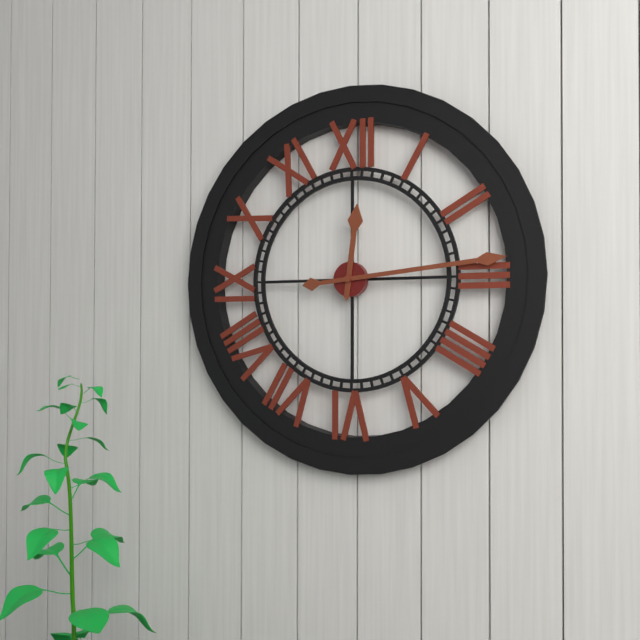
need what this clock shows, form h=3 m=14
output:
h=12 m=14
